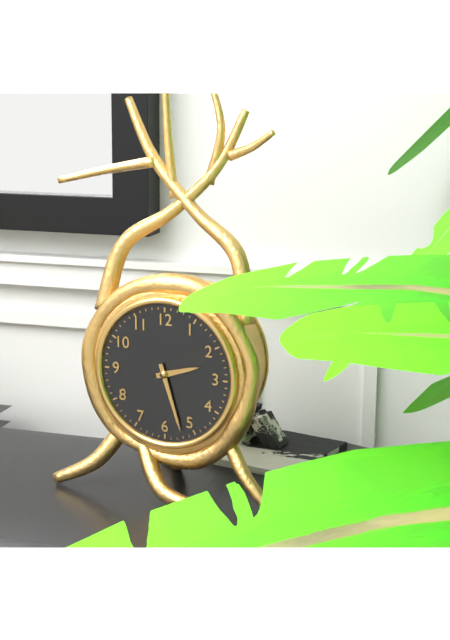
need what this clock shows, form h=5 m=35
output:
h=2 m=27
